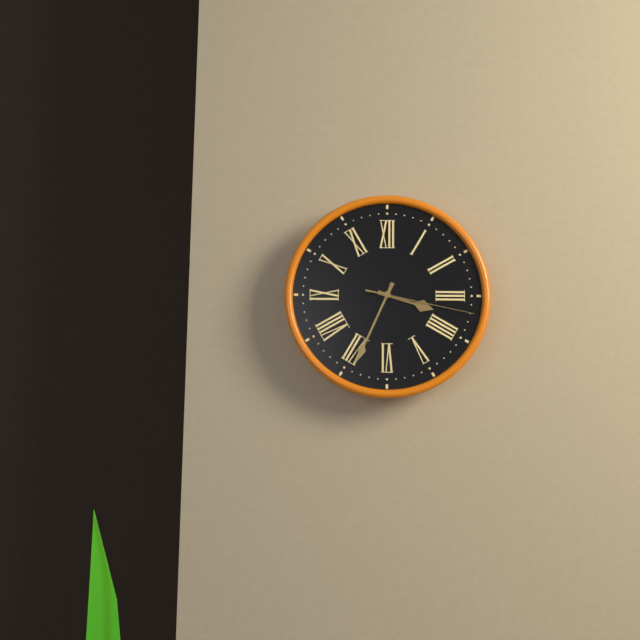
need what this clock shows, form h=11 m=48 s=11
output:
h=3 m=34 s=17
